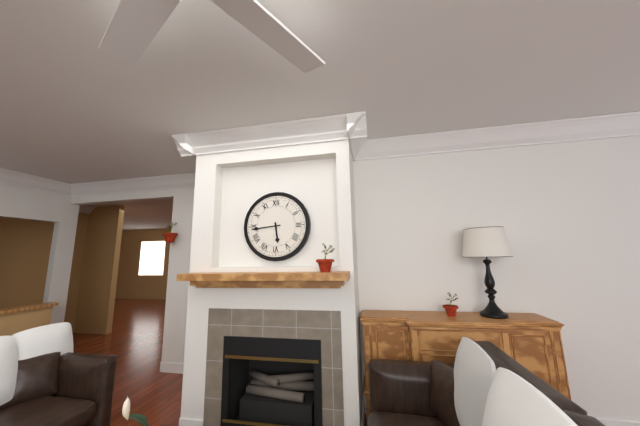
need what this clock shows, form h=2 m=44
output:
h=5 m=44
